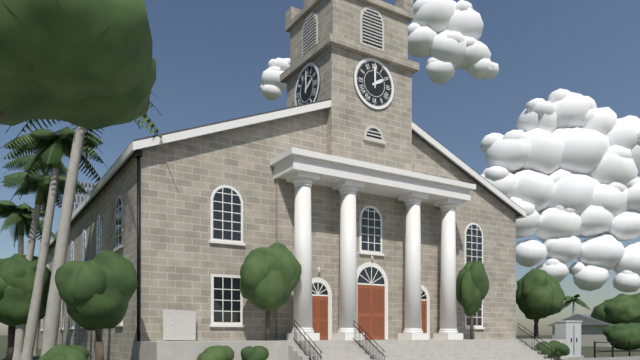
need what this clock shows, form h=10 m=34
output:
h=2 m=0
